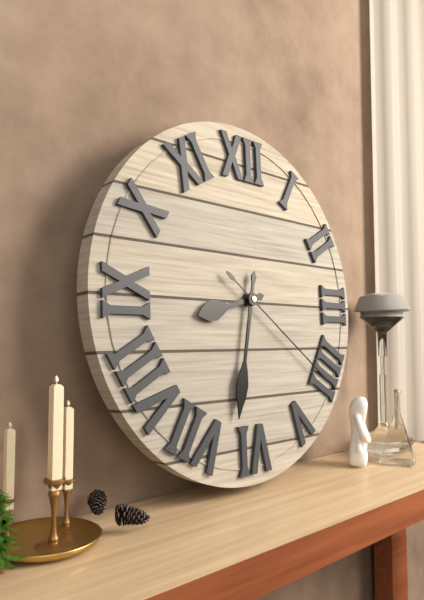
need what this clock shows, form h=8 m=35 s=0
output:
h=8 m=32 s=21
